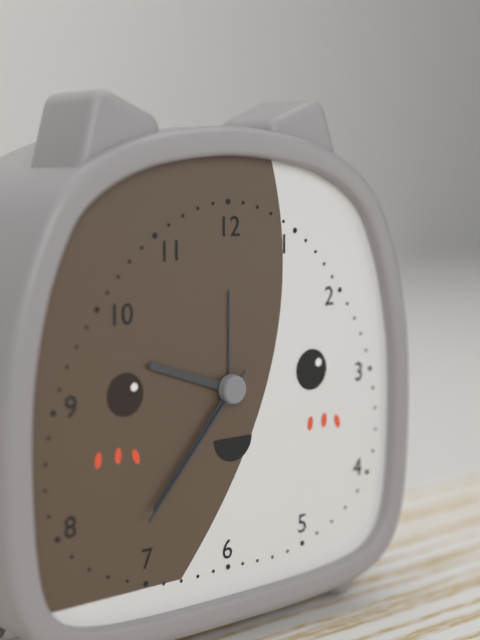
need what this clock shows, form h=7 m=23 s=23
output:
h=9 m=37 s=37
